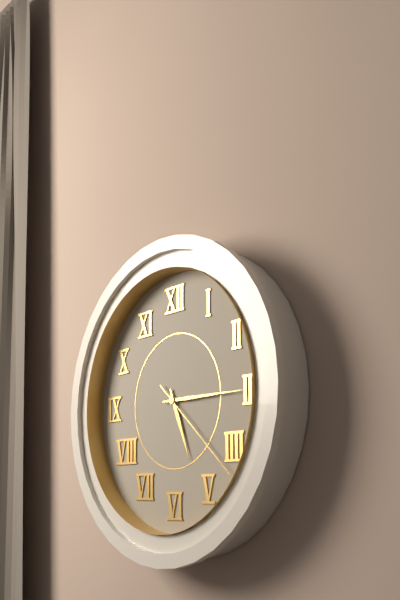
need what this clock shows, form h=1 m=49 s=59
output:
h=5 m=15 s=22
